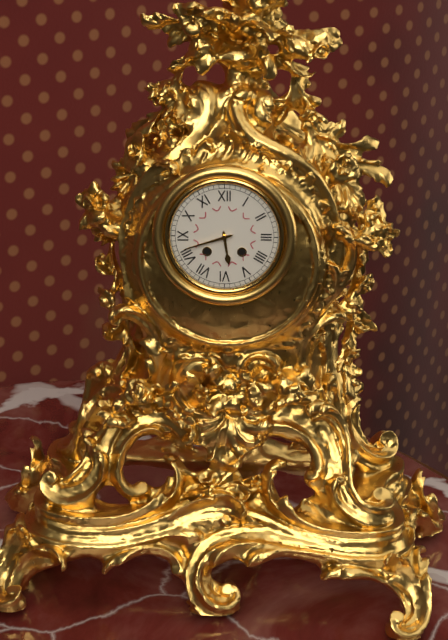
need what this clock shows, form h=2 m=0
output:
h=5 m=42
